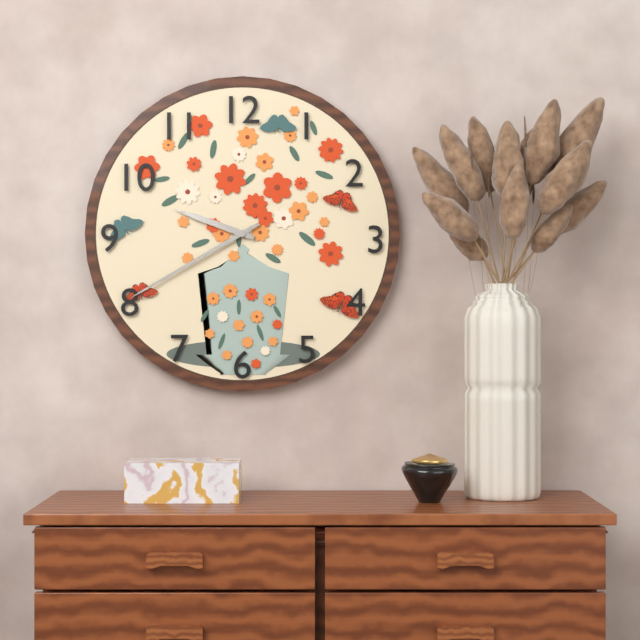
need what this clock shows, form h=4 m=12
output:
h=9 m=40
